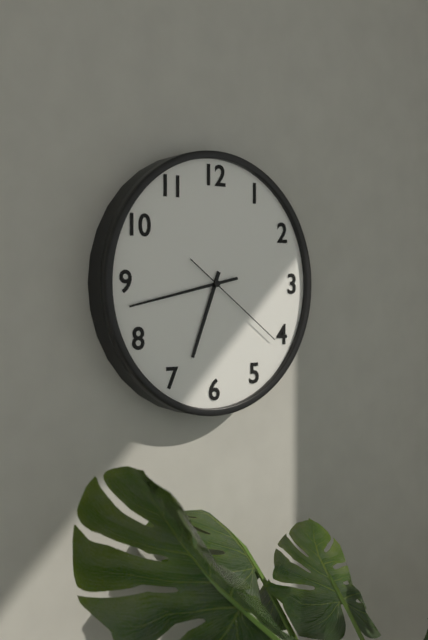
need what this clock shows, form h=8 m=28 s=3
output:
h=6 m=43 s=21
